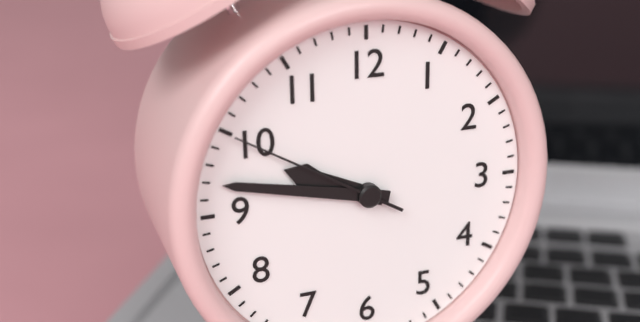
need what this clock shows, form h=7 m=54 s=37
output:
h=9 m=47 s=50
